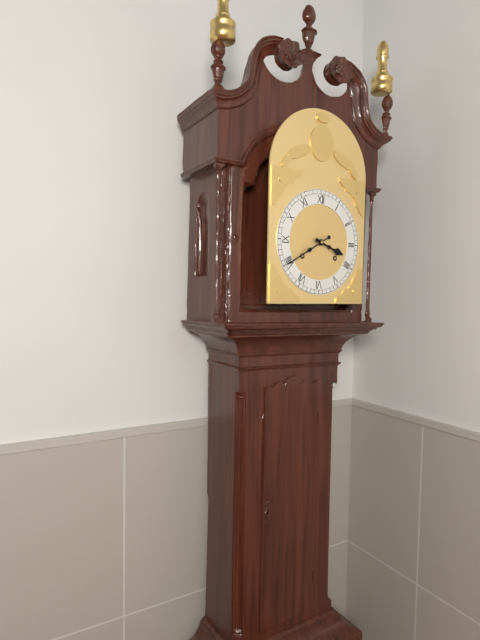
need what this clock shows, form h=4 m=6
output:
h=3 m=40
